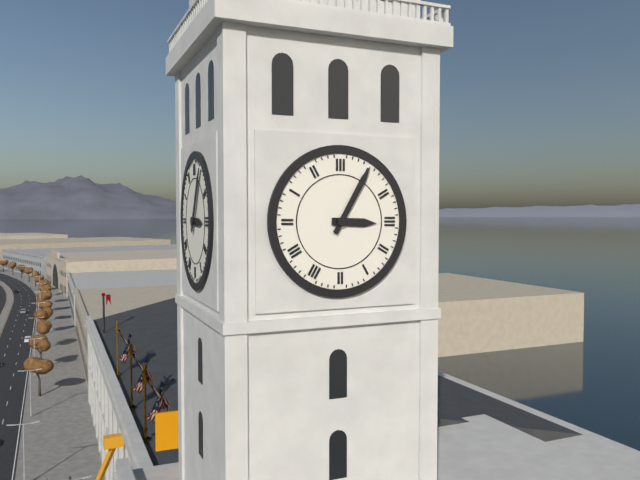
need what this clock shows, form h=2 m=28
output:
h=3 m=5
